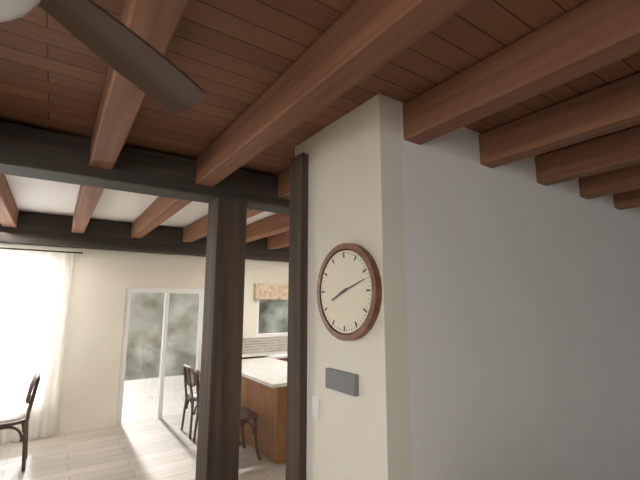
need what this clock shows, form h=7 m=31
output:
h=8 m=12
